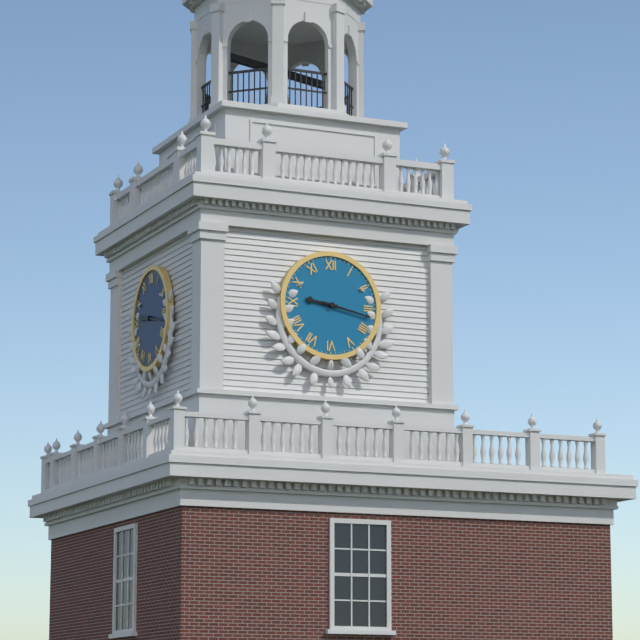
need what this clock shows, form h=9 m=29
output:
h=9 m=17
